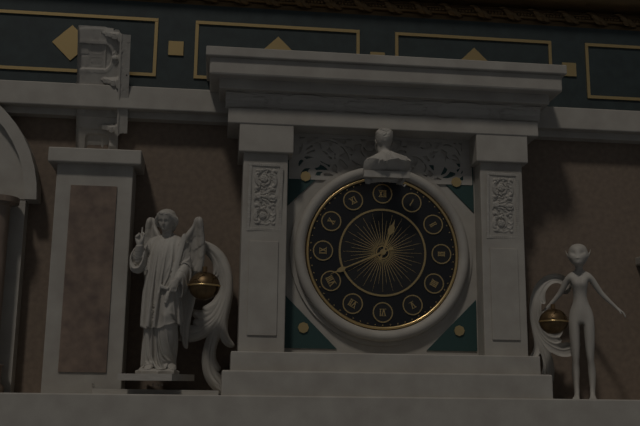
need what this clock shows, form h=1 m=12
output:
h=12 m=41
